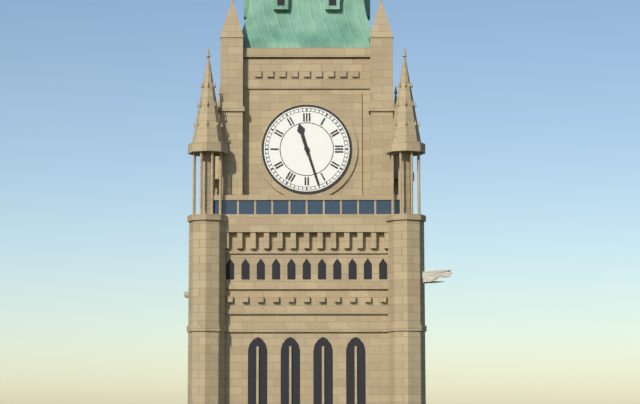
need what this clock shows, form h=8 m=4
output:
h=11 m=27
